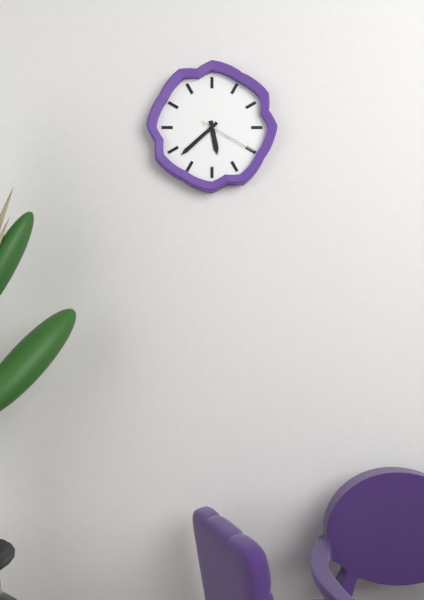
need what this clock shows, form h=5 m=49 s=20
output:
h=5 m=38 s=20
